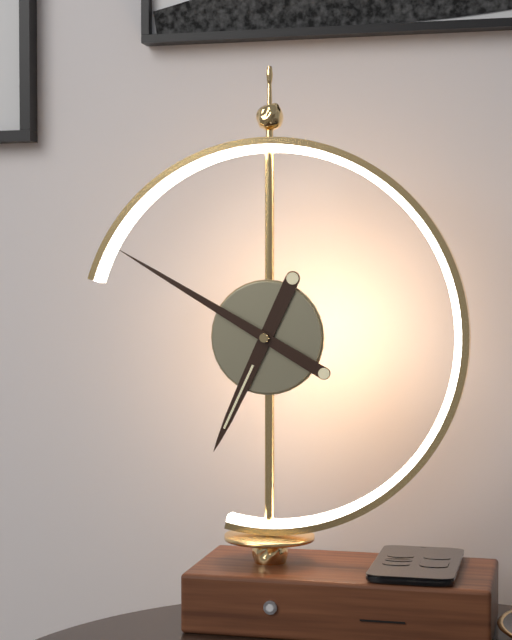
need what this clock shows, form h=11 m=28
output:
h=6 m=50
